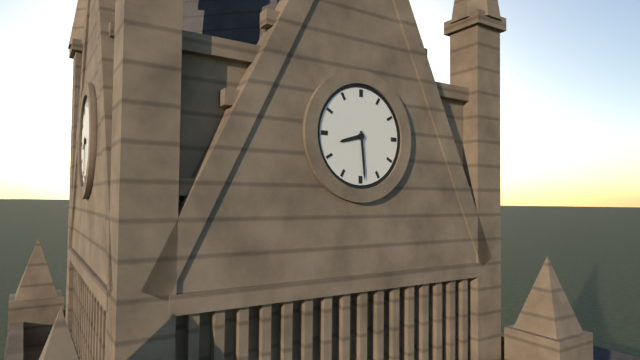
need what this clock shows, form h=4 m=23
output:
h=8 m=29
